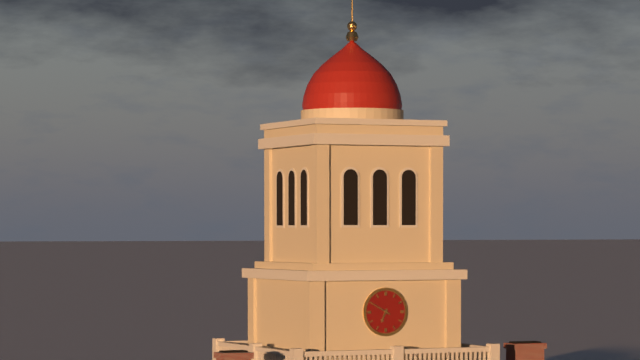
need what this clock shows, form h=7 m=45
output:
h=6 m=50
